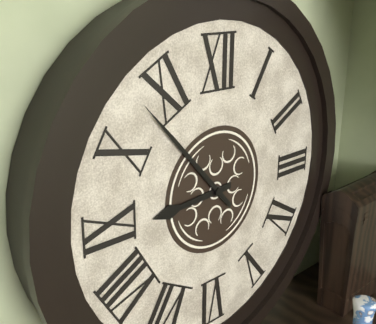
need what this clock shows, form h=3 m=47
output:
h=8 m=53
